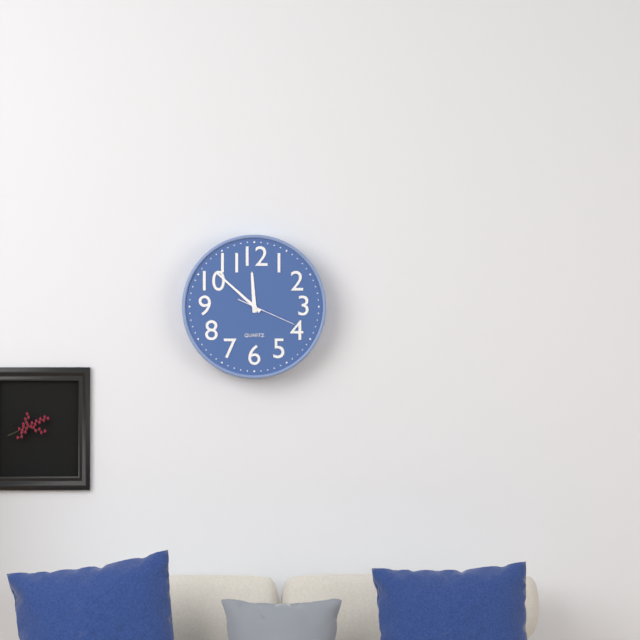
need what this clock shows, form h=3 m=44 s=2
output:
h=11 m=52 s=19
